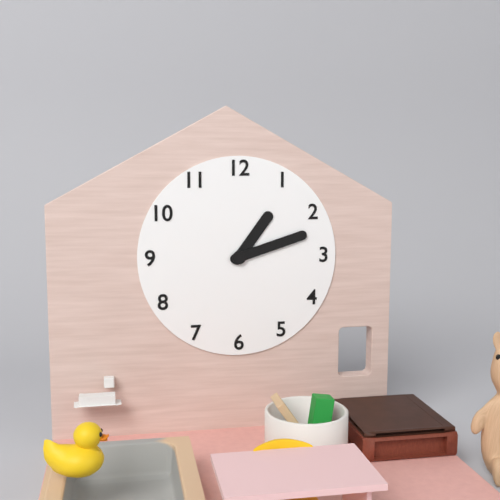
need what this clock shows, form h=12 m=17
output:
h=1 m=12
